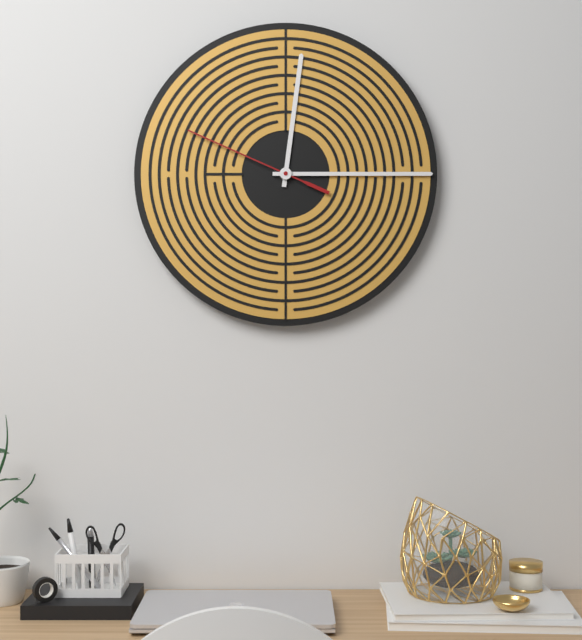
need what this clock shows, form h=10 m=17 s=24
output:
h=12 m=15 s=49
